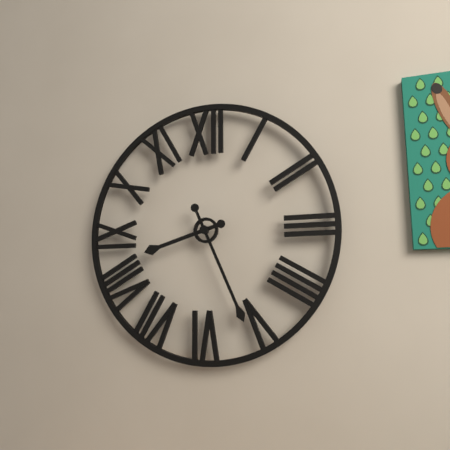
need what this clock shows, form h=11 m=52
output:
h=8 m=26
